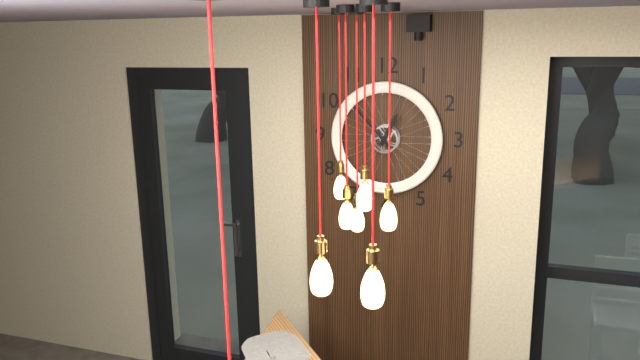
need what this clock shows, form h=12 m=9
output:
h=12 m=53
